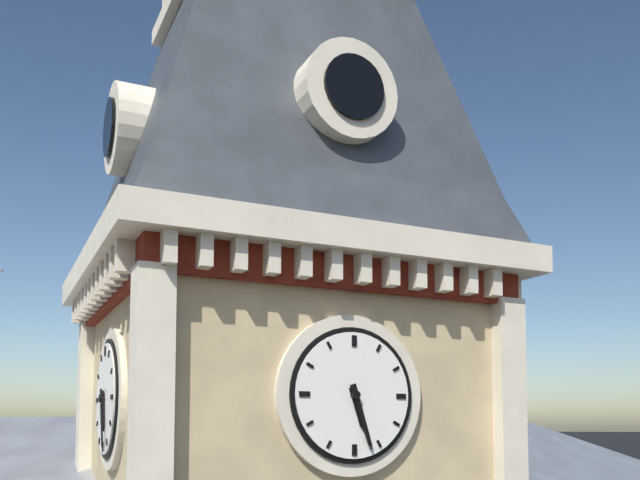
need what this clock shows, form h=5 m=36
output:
h=5 m=27
